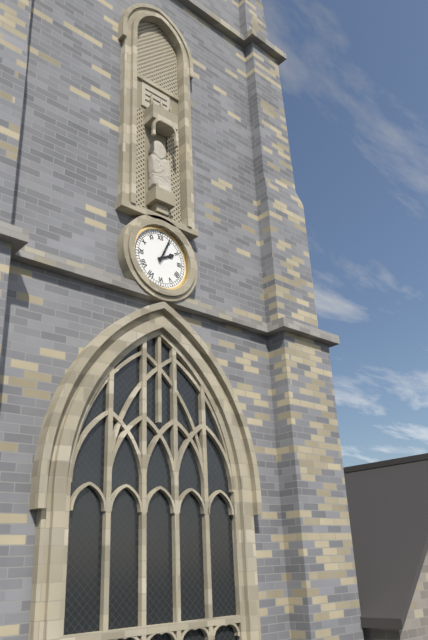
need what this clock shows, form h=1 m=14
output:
h=2 m=4
